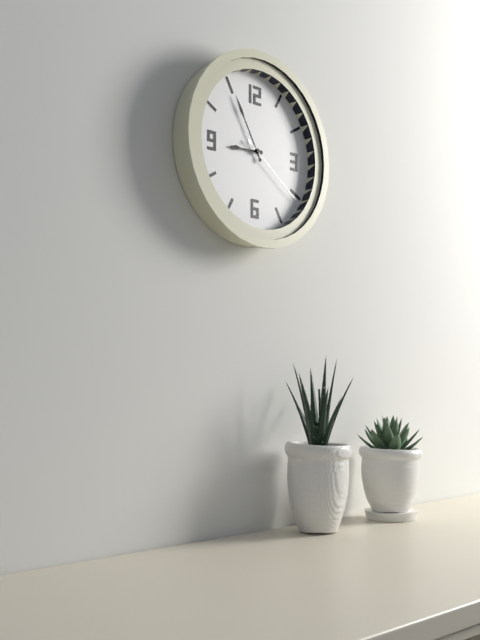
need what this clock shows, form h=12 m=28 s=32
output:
h=8 m=55 s=21
